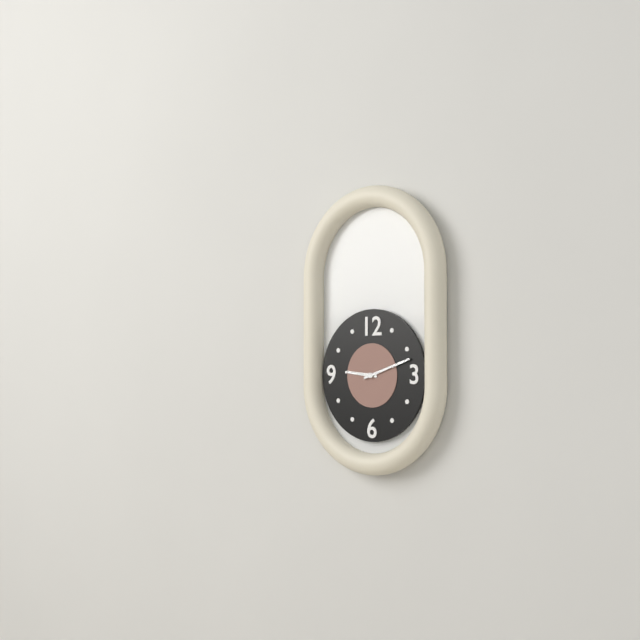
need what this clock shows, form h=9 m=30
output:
h=9 m=12
